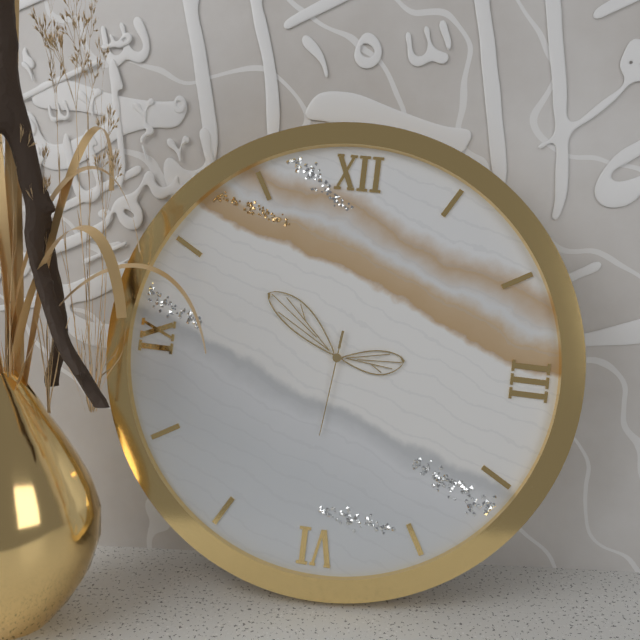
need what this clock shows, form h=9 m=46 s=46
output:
h=2 m=51 s=31
